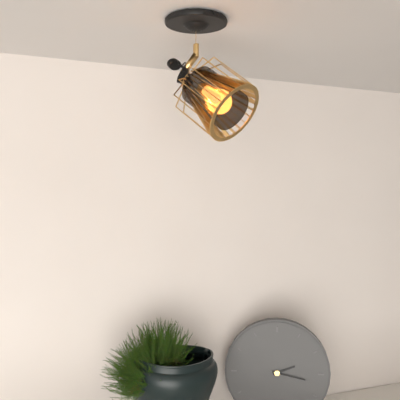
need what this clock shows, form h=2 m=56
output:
h=2 m=17
